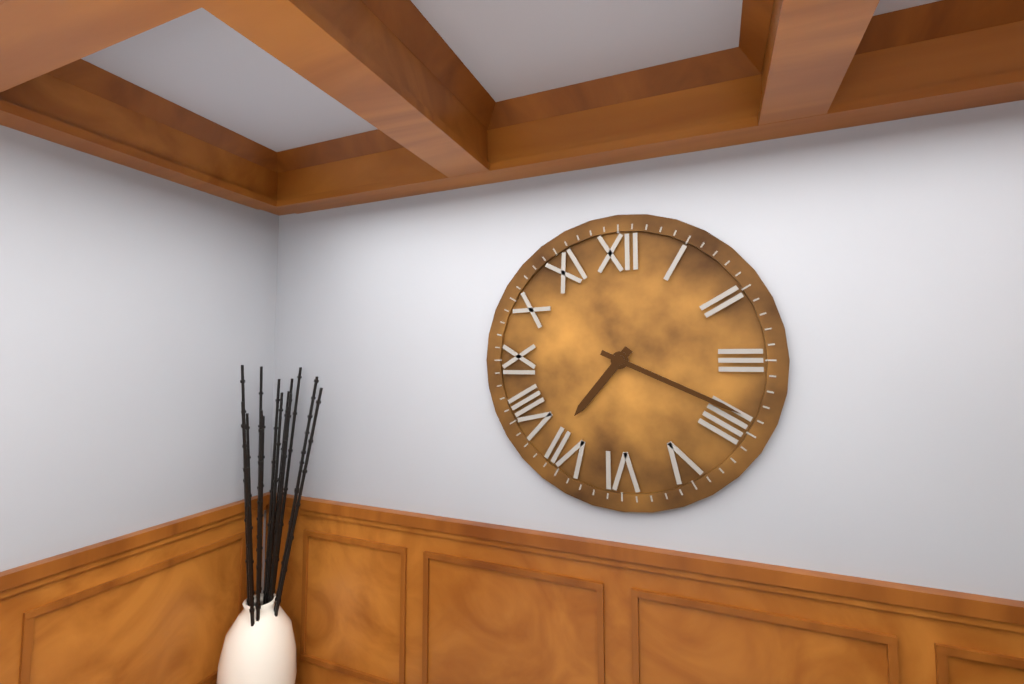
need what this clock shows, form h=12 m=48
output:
h=7 m=19
